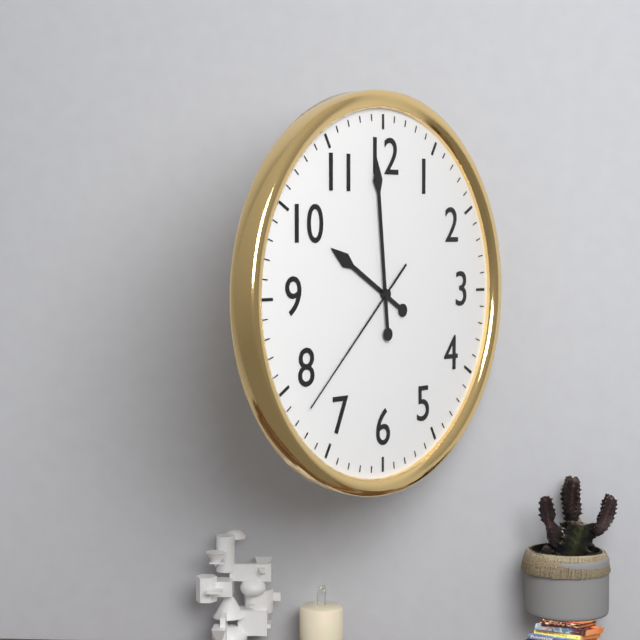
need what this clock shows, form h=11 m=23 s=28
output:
h=9 m=59 s=38
